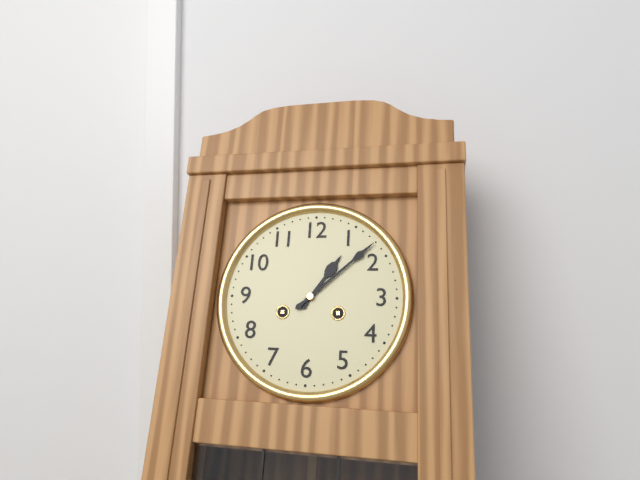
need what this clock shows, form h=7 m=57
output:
h=1 m=8
